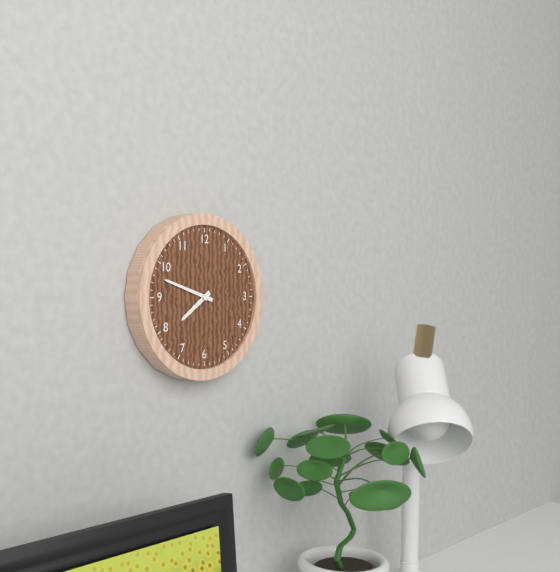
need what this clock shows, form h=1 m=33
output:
h=7 m=48
